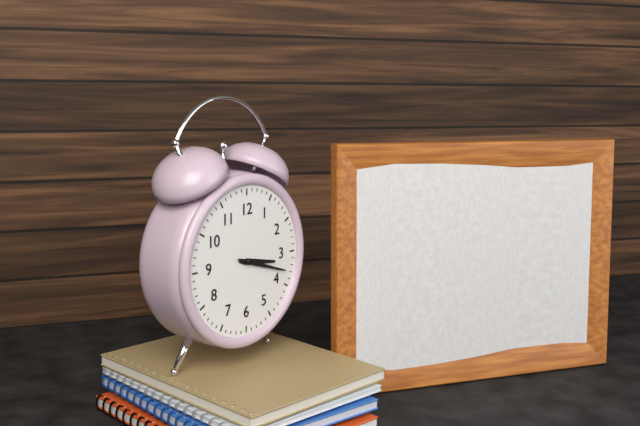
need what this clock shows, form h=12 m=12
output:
h=3 m=18
